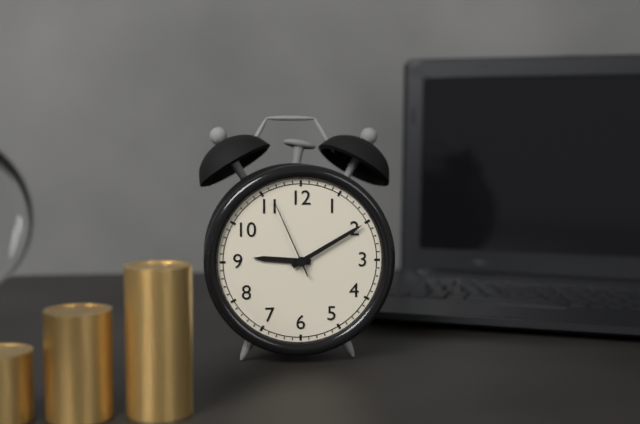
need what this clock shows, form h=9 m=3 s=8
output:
h=9 m=10 s=56
